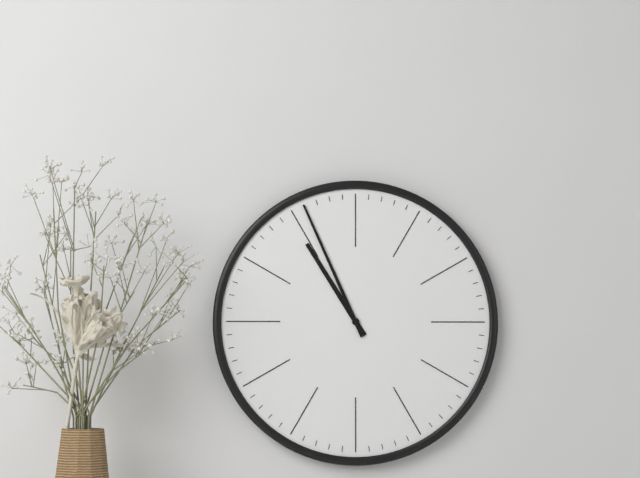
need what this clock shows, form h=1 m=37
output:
h=10 m=56
